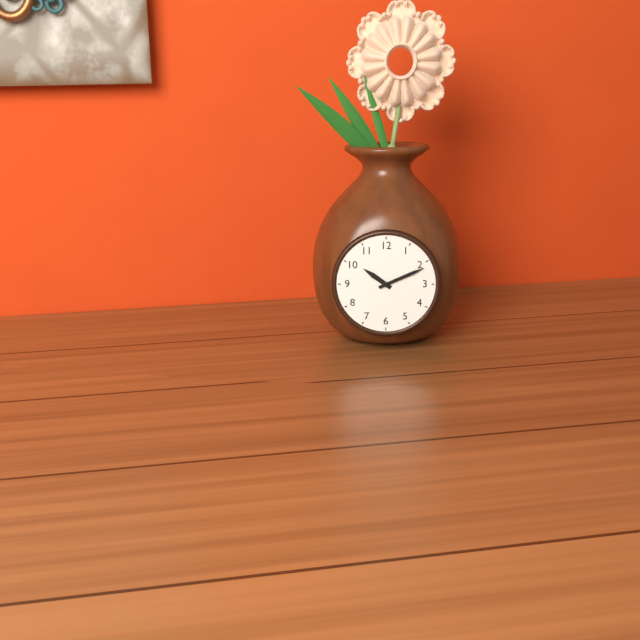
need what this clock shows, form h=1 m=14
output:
h=10 m=11
